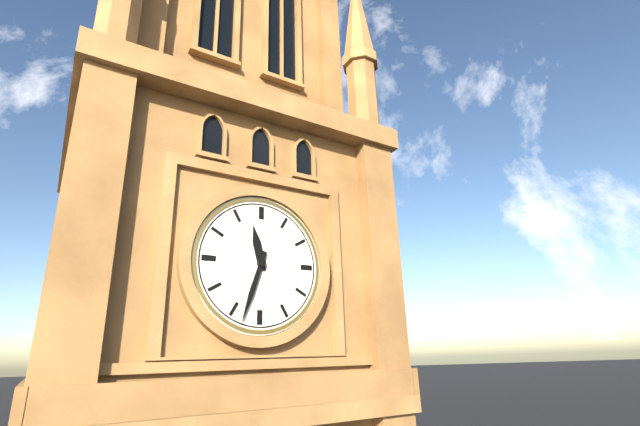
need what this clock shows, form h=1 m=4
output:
h=11 m=33
